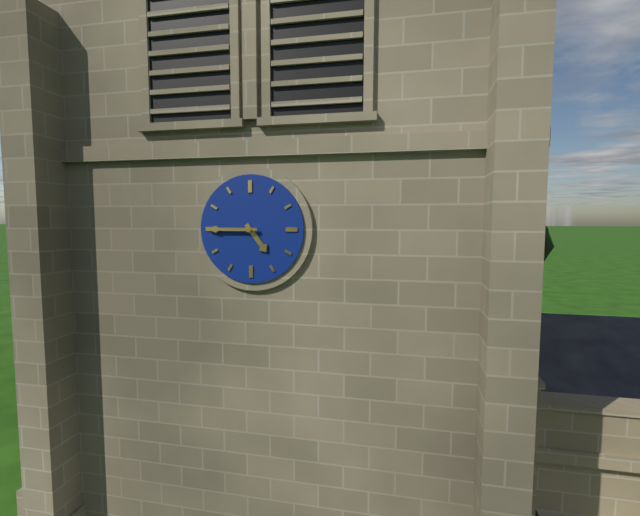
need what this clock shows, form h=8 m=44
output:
h=4 m=45
